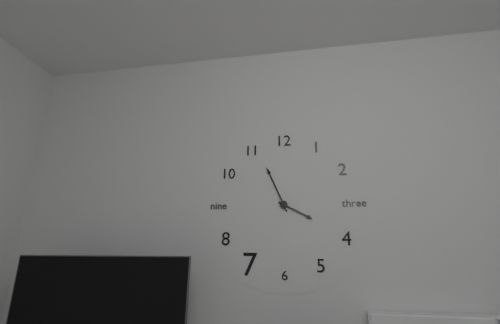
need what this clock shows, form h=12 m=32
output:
h=3 m=56
